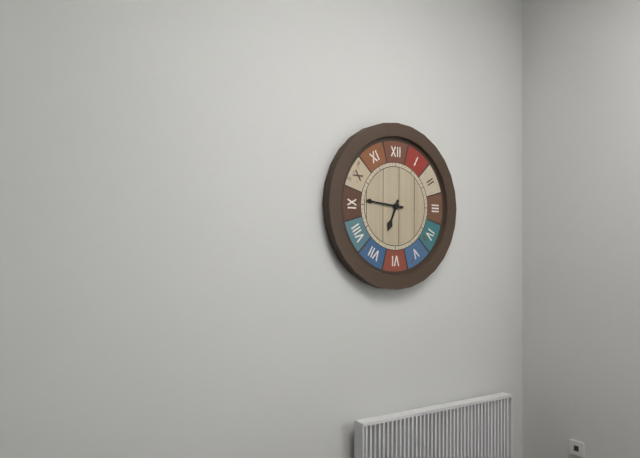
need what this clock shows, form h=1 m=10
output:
h=6 m=46
